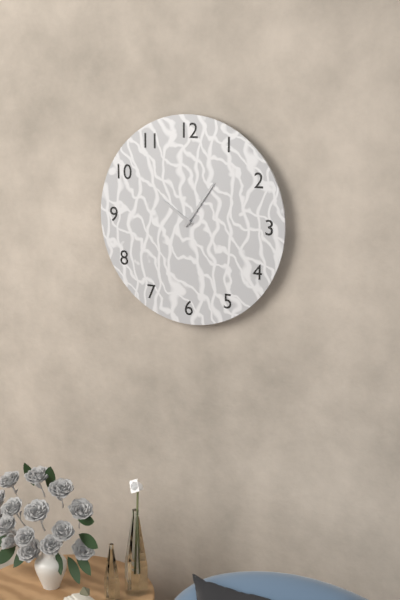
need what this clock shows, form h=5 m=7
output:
h=10 m=6
